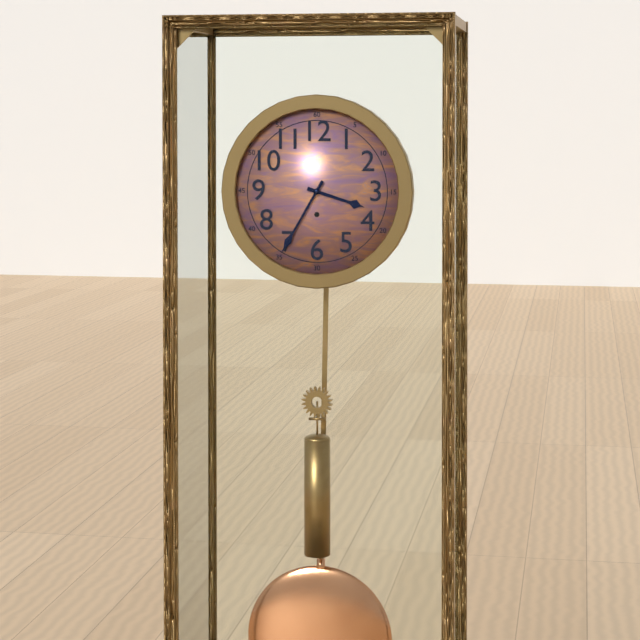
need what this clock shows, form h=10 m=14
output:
h=3 m=35
